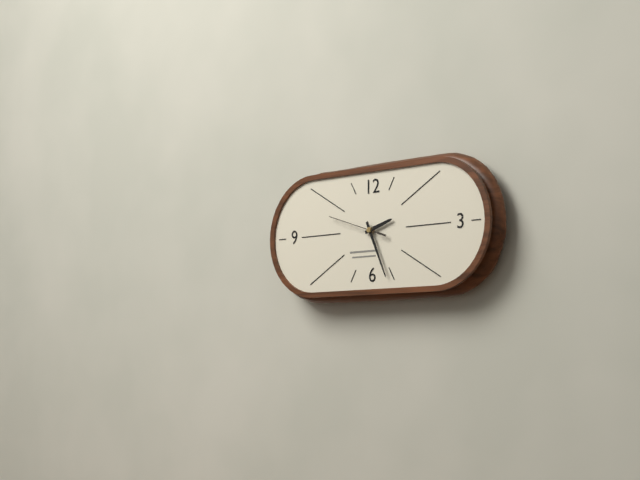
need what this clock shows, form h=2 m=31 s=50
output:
h=2 m=26 s=48
